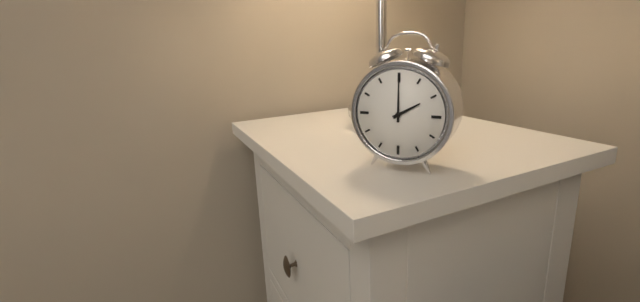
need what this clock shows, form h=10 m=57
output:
h=2 m=0
